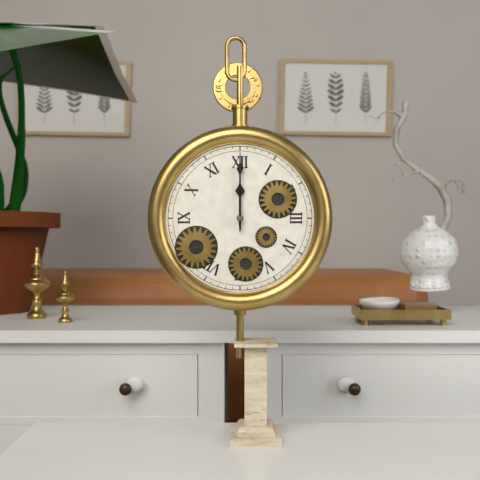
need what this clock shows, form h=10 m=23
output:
h=12 m=0
